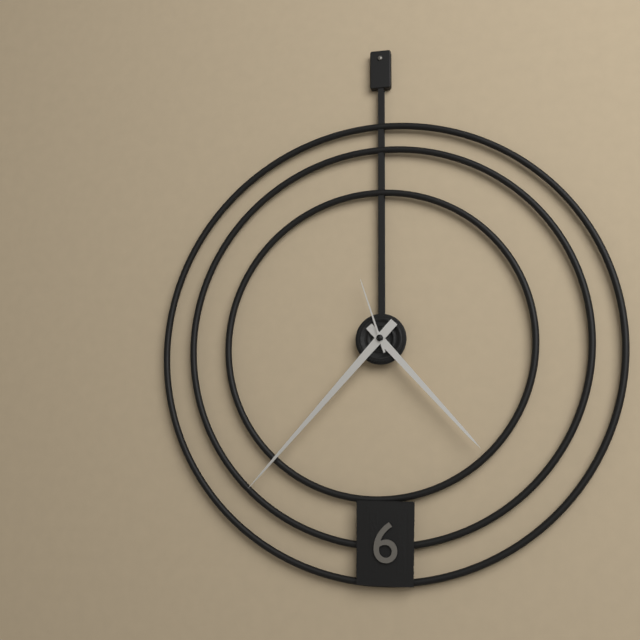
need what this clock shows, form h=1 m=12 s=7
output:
h=4 m=37 s=57
